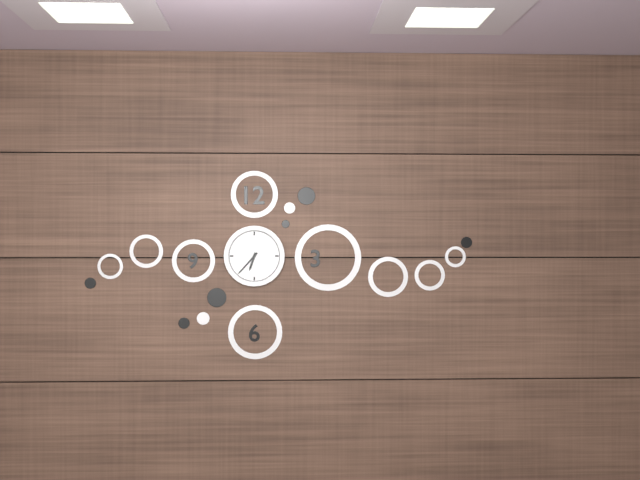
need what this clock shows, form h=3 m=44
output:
h=6 m=37
